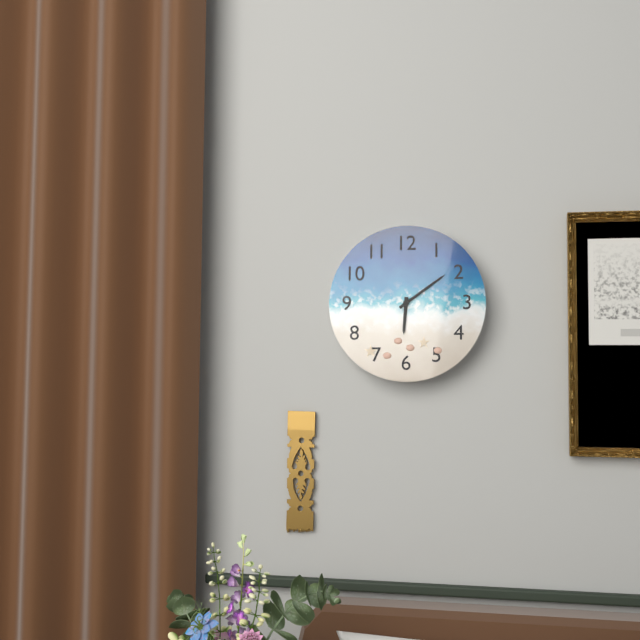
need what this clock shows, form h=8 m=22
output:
h=6 m=9
